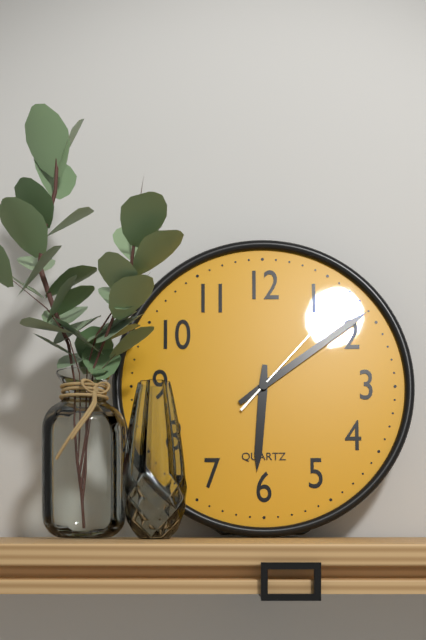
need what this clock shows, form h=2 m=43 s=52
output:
h=6 m=9 s=7
